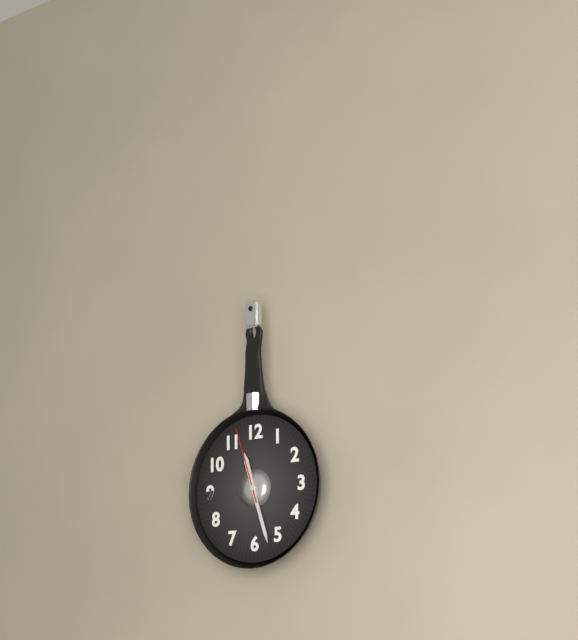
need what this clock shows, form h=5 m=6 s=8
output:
h=11 m=27 s=57
